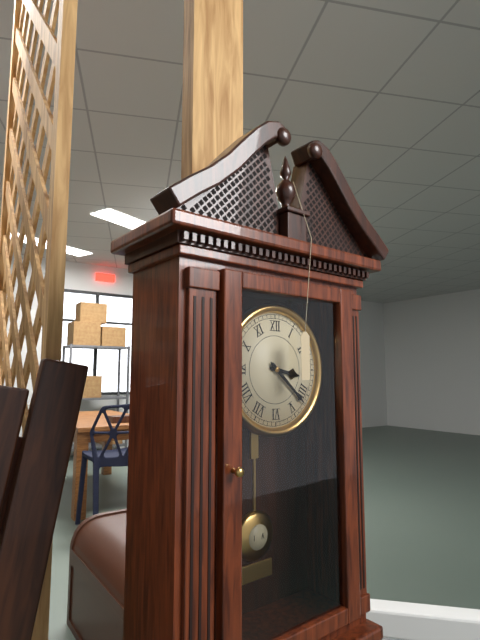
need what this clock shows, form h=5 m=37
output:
h=3 m=22
